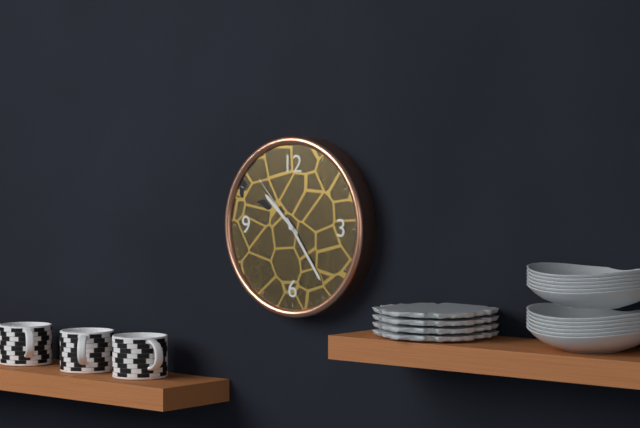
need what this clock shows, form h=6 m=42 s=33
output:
h=10 m=24 s=53
